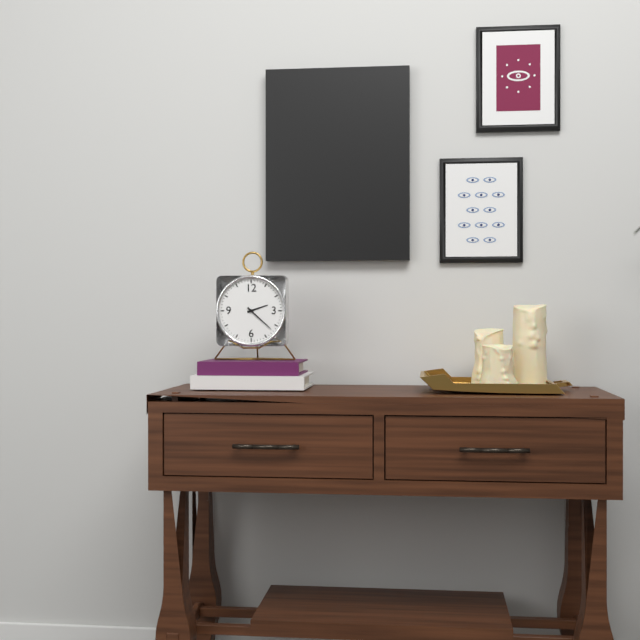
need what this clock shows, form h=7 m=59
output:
h=2 m=22
